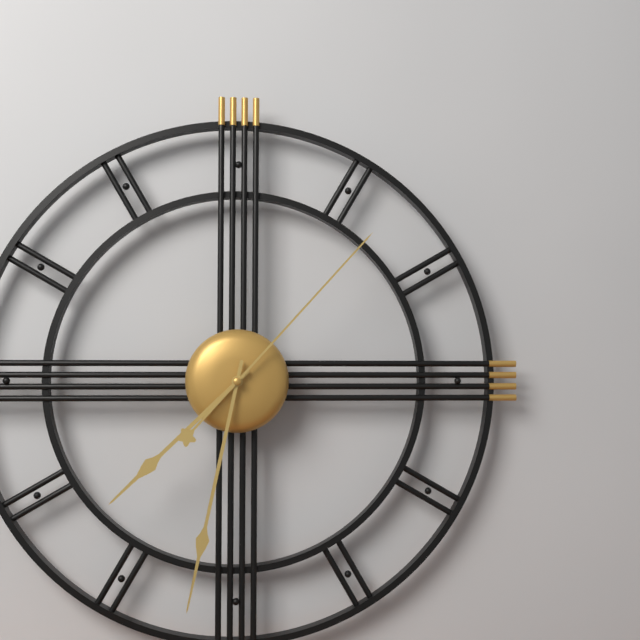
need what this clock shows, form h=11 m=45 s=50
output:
h=7 m=32 s=7
